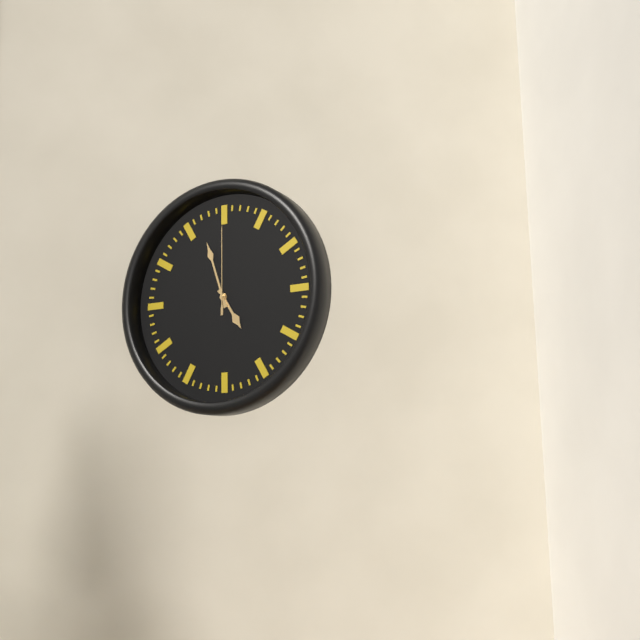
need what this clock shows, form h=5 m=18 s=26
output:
h=4 m=57 s=0
